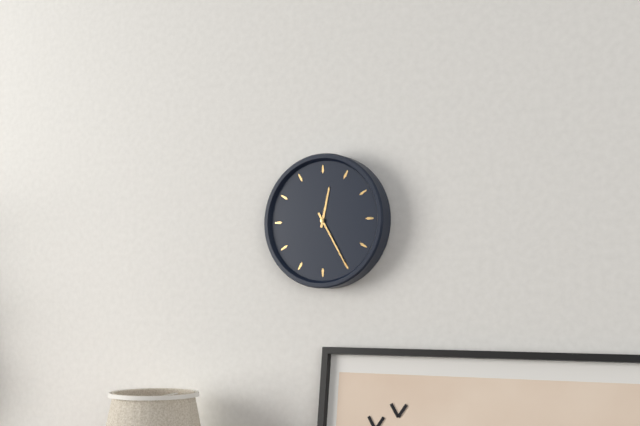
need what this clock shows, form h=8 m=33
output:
h=12 m=25
